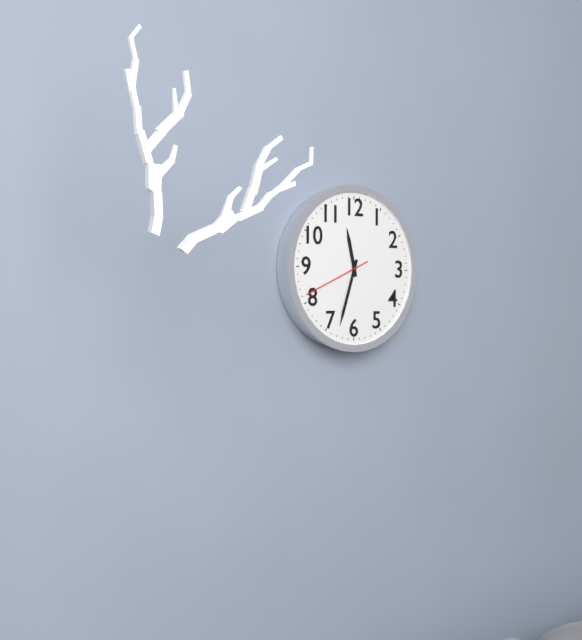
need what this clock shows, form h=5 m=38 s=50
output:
h=11 m=33 s=41
